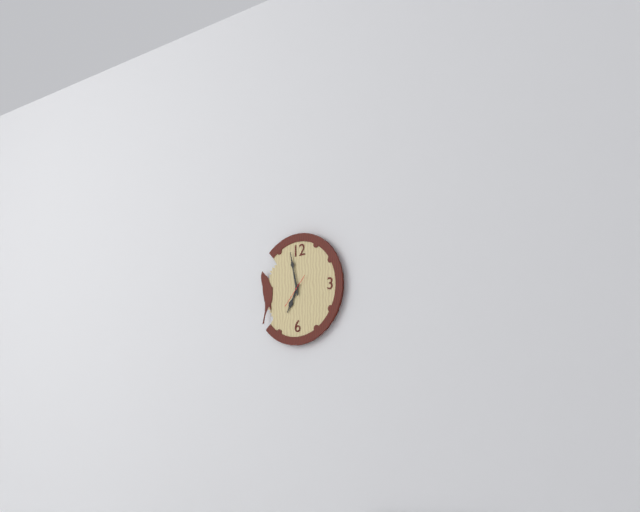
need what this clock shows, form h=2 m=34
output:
h=6 m=58
